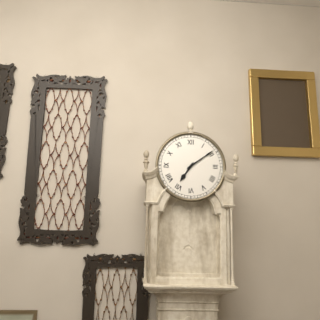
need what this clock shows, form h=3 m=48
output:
h=7 m=9
